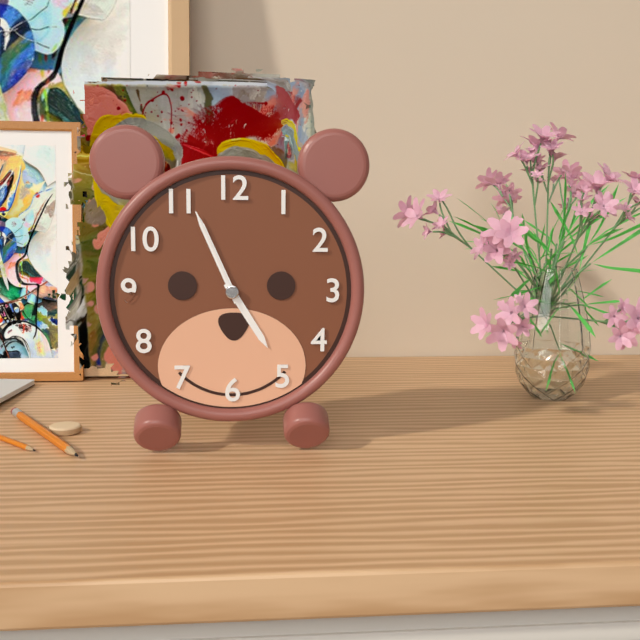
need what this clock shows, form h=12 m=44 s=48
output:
h=4 m=56 s=56
